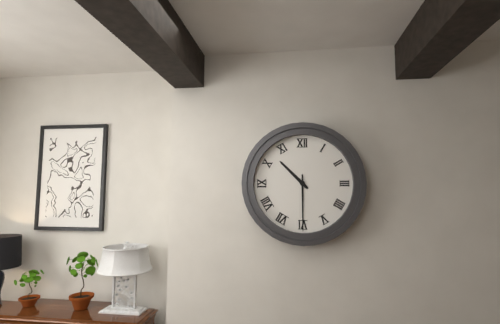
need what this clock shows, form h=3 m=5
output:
h=10 m=30
